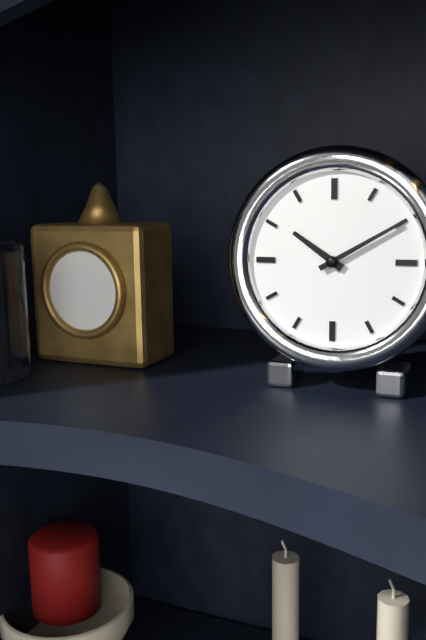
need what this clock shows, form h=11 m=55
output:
h=10 m=10
